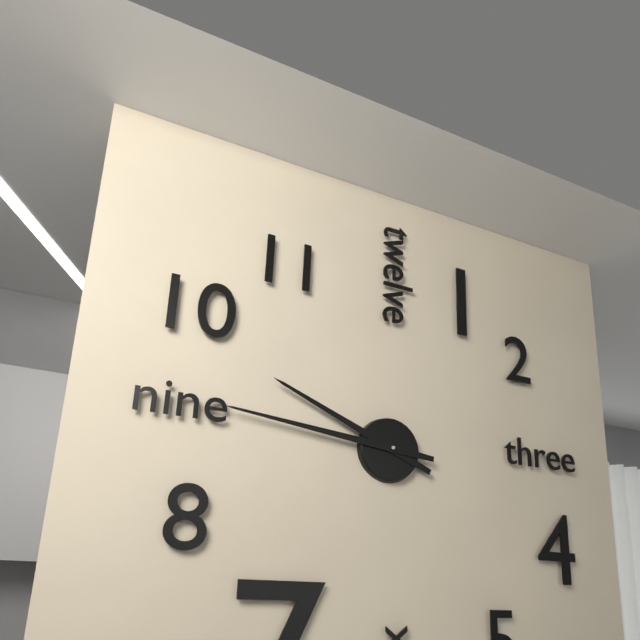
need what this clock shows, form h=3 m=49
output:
h=9 m=46
